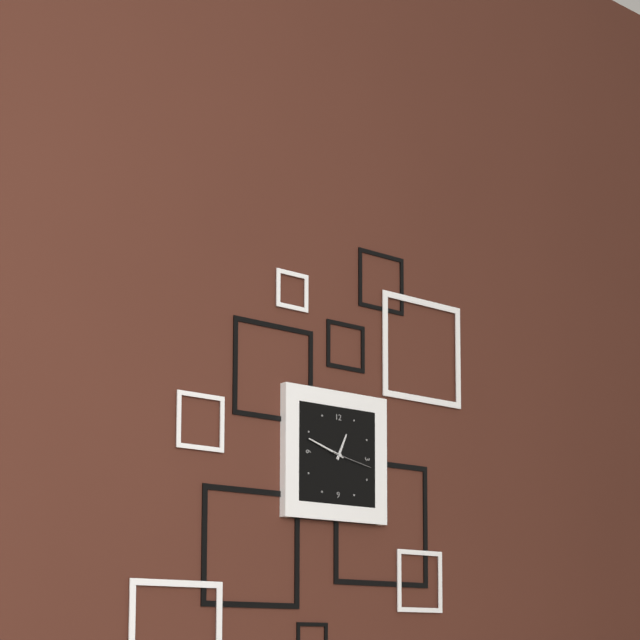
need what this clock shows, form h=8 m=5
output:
h=12 m=48
